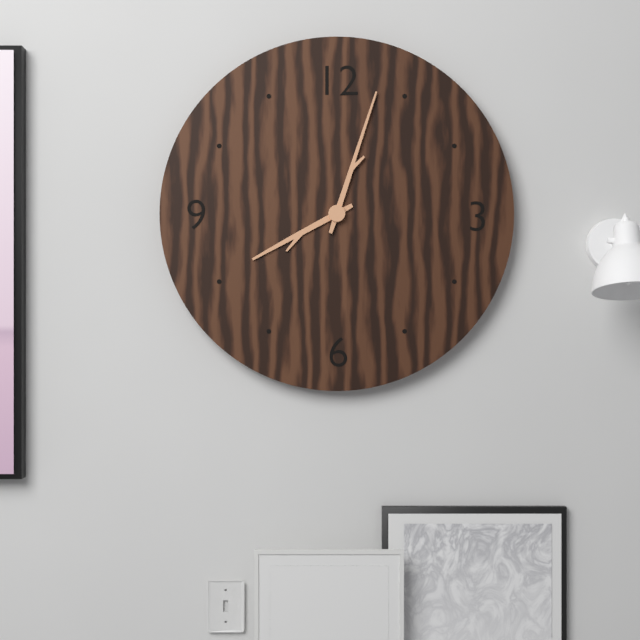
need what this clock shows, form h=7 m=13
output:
h=8 m=3
